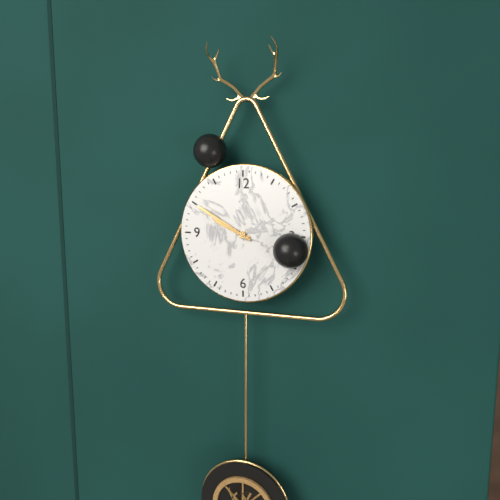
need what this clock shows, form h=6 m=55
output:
h=9 m=50
